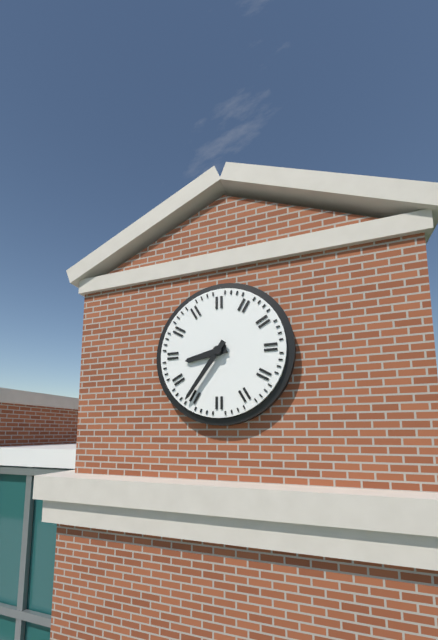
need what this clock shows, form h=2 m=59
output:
h=8 m=36
